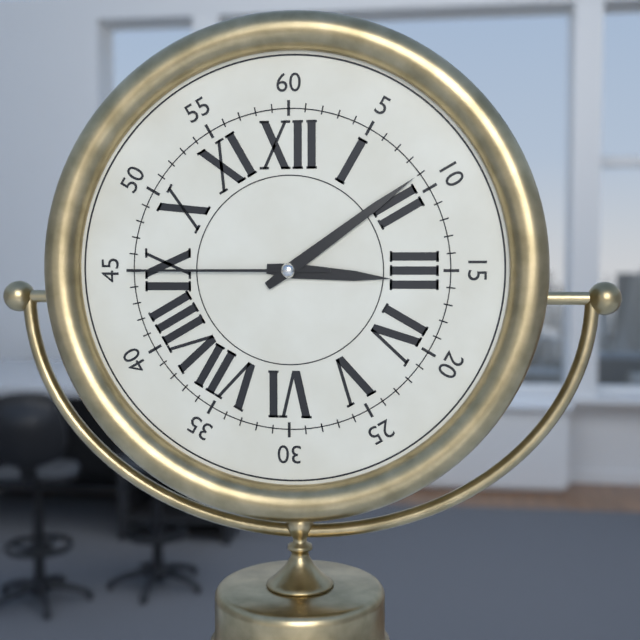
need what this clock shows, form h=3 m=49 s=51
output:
h=3 m=9 s=45
